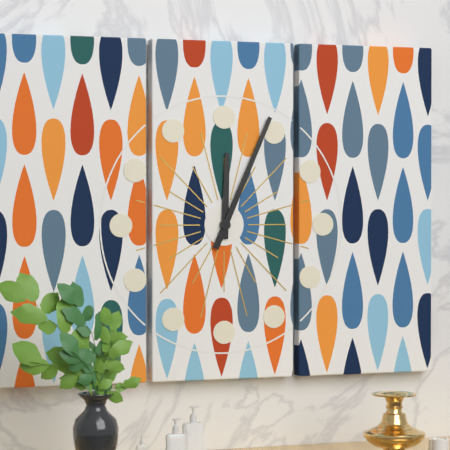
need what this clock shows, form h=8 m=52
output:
h=12 m=4
